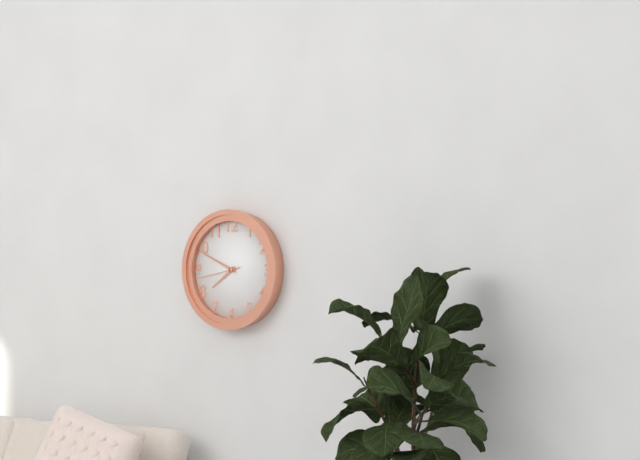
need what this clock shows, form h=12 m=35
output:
h=7 m=49
